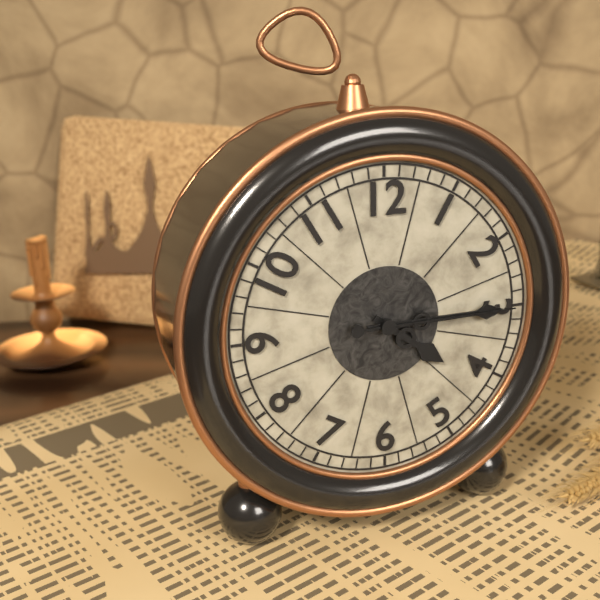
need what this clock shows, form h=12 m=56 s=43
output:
h=4 m=15 s=15
